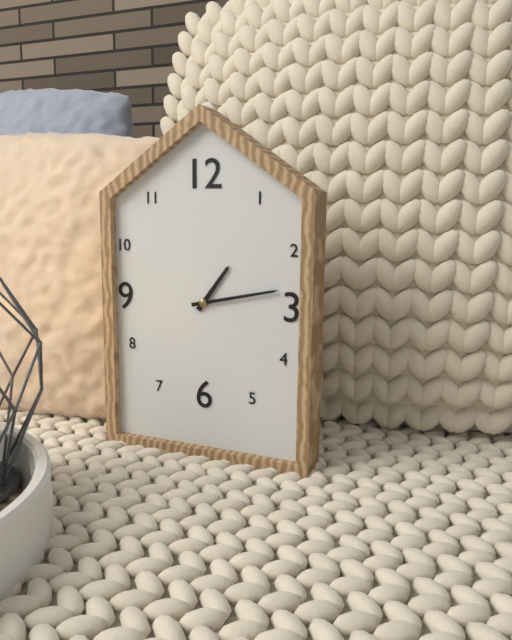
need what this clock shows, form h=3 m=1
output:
h=1 m=13
